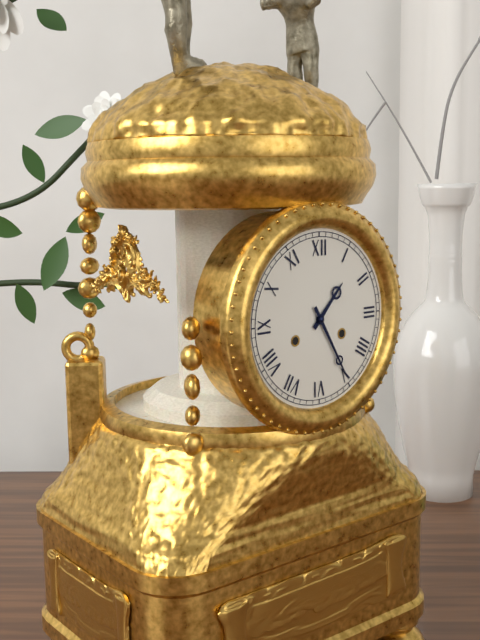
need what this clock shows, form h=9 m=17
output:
h=1 m=25
